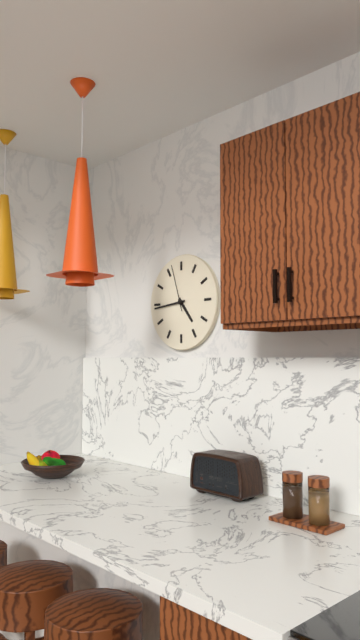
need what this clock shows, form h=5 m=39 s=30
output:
h=4 m=44 s=57
